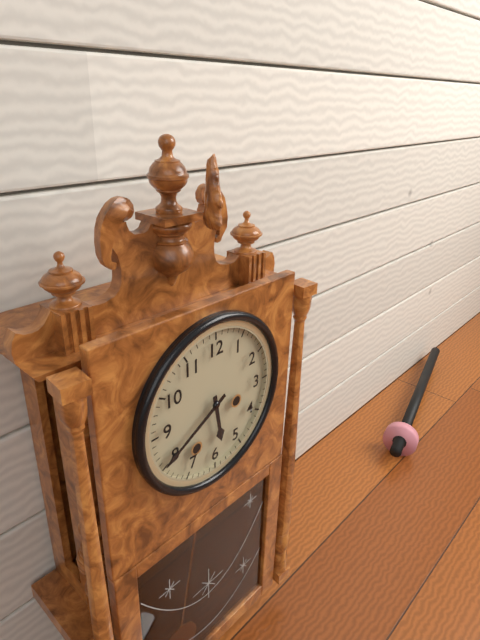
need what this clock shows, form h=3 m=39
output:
h=5 m=40
